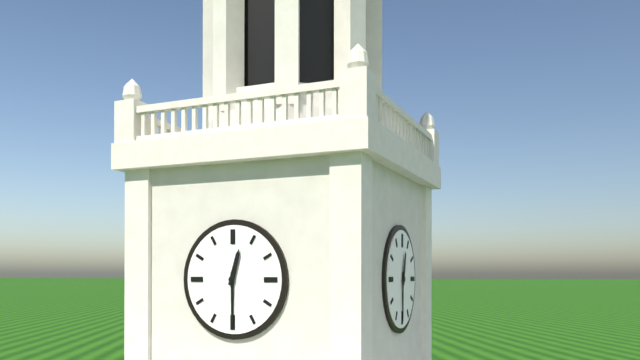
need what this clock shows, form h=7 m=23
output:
h=12 m=30
